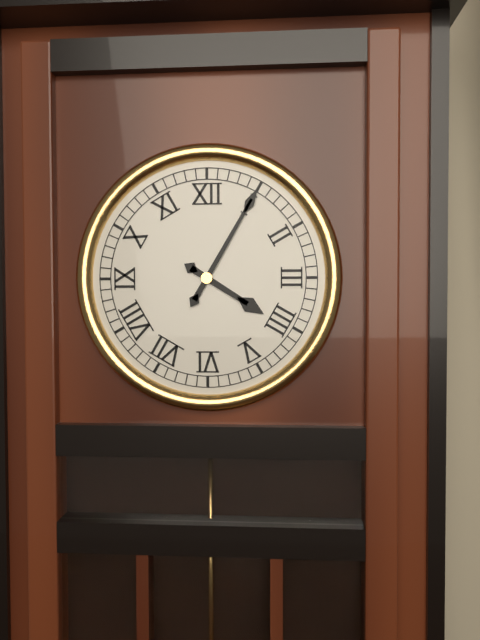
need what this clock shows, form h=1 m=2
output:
h=4 m=5
